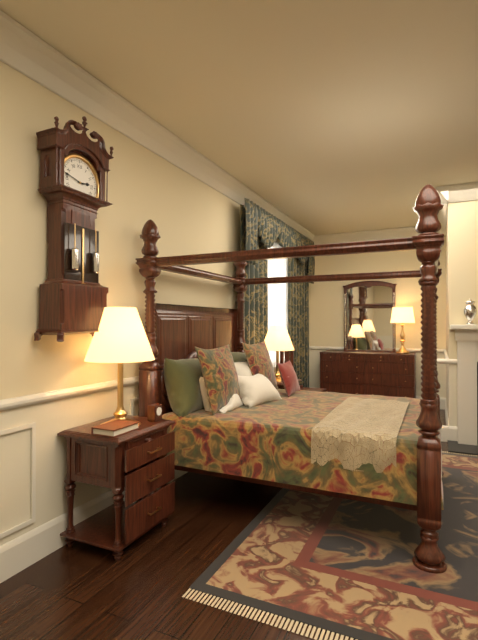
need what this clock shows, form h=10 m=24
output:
h=2 m=47
